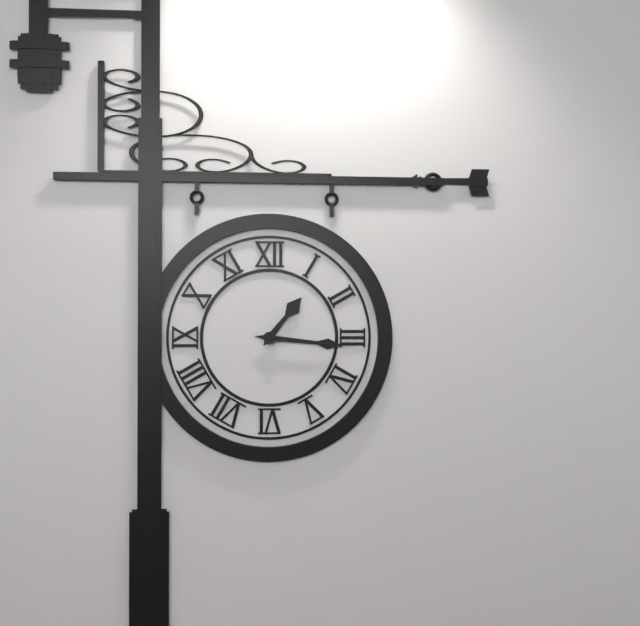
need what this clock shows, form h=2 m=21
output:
h=1 m=16
